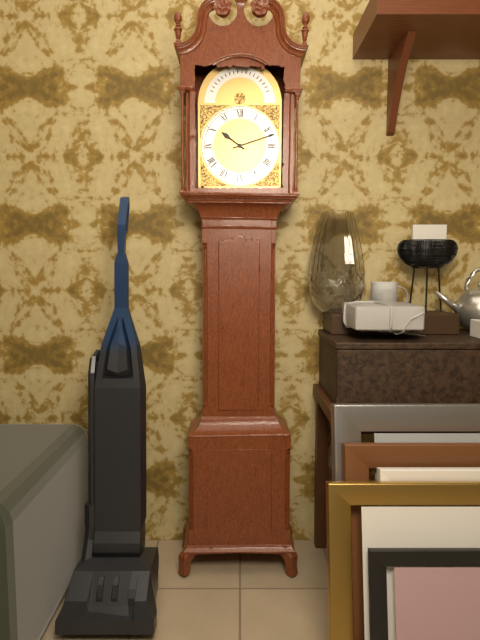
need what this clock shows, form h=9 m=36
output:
h=10 m=12
